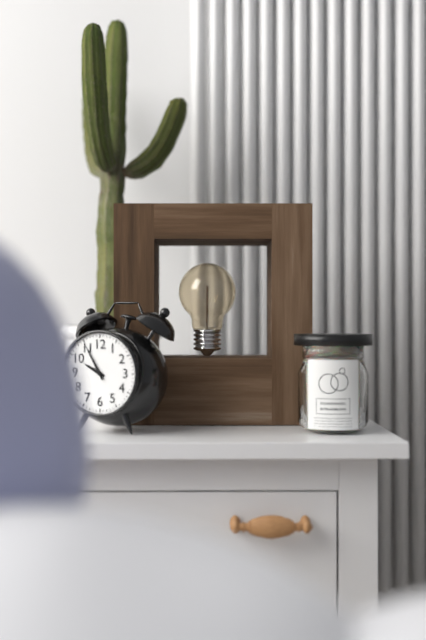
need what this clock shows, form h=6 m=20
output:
h=9 m=55
